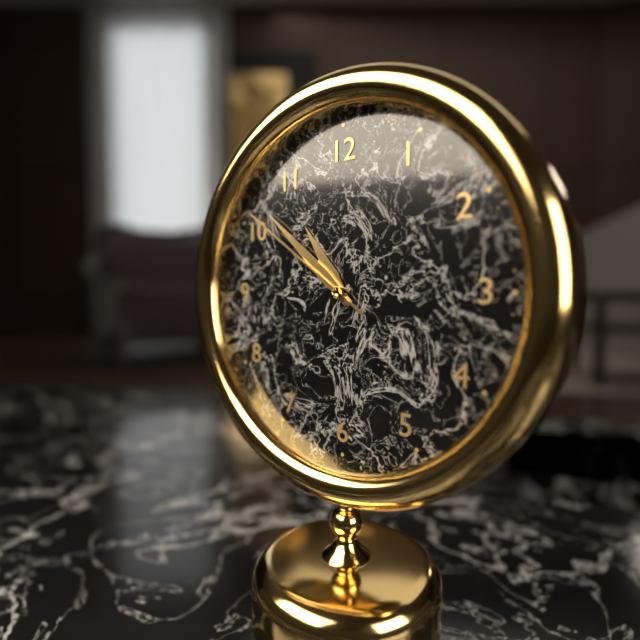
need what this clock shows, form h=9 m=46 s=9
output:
h=10 m=52 s=51
